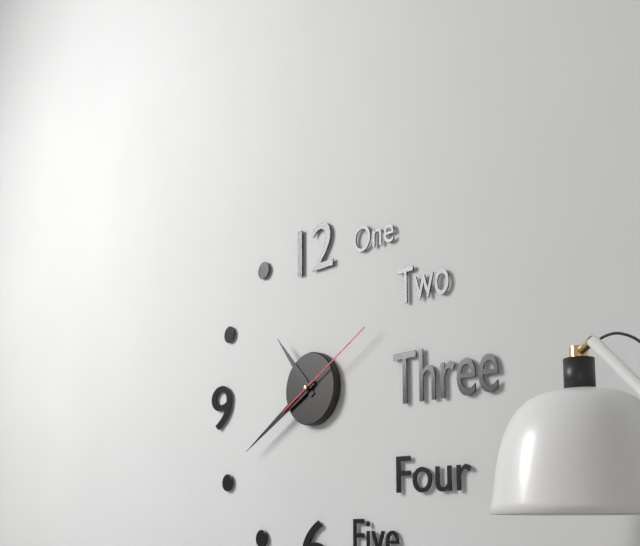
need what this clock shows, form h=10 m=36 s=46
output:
h=10 m=40 s=10
